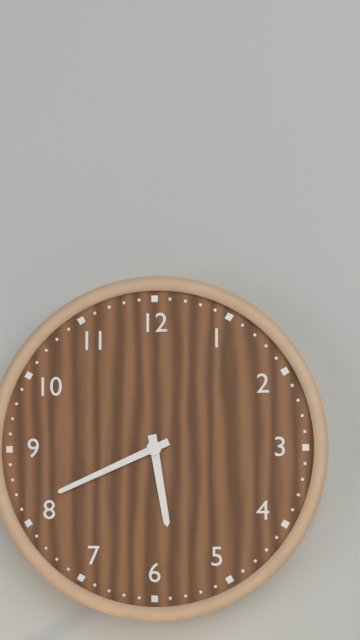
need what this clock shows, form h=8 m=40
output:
h=5 m=41
